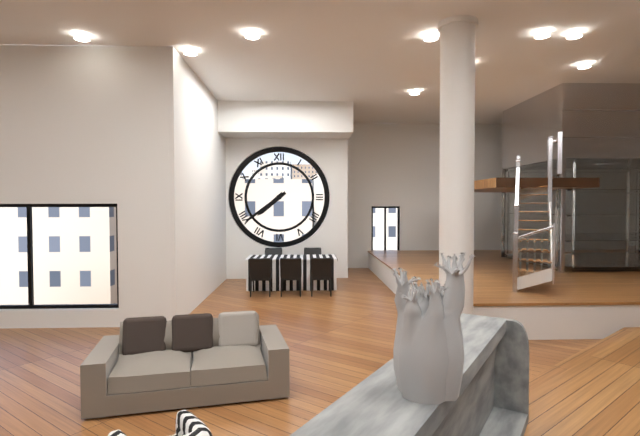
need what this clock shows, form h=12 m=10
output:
h=7 m=39
